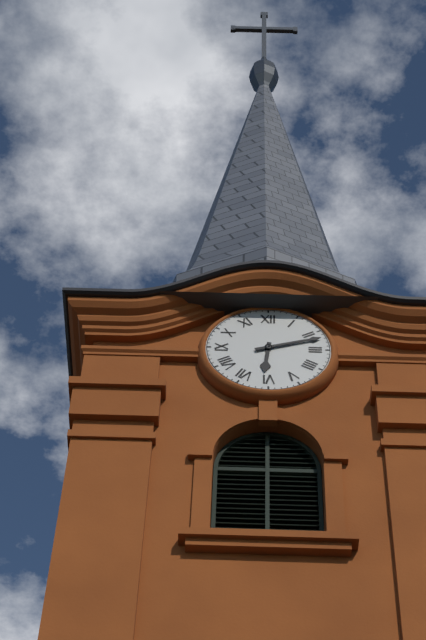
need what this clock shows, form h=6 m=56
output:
h=6 m=12
